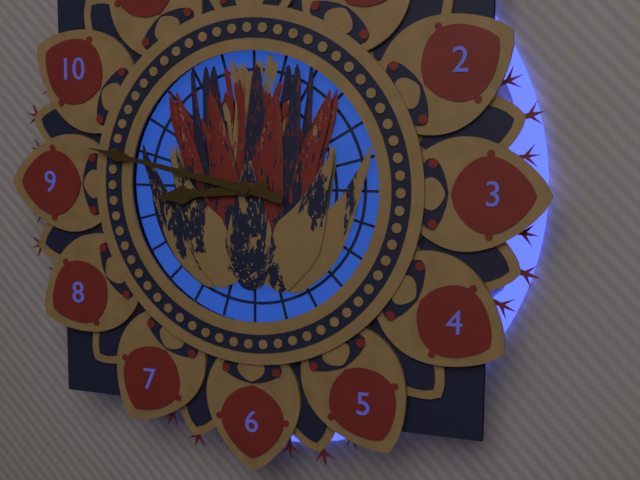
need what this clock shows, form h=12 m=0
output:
h=8 m=47
